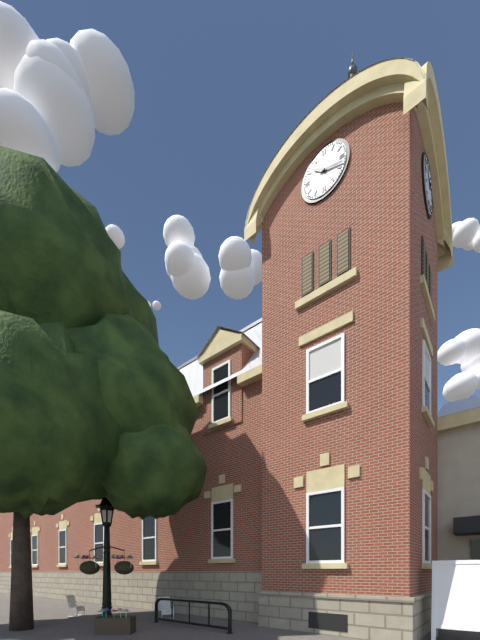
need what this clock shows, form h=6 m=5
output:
h=10 m=18
